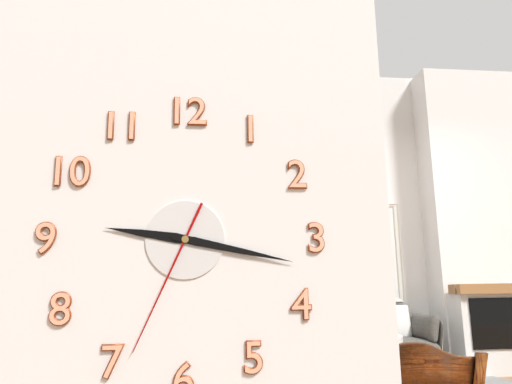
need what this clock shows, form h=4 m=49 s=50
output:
h=9 m=17 s=34
